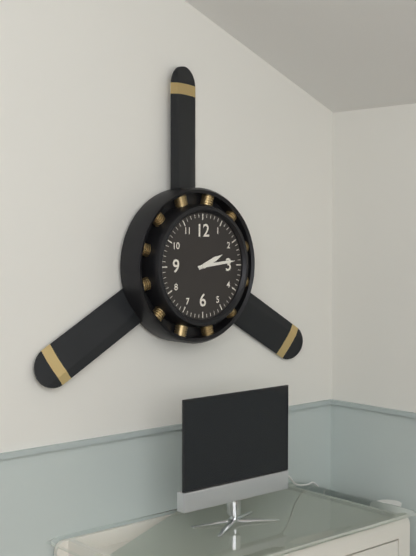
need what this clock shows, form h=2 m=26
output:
h=2 m=14
